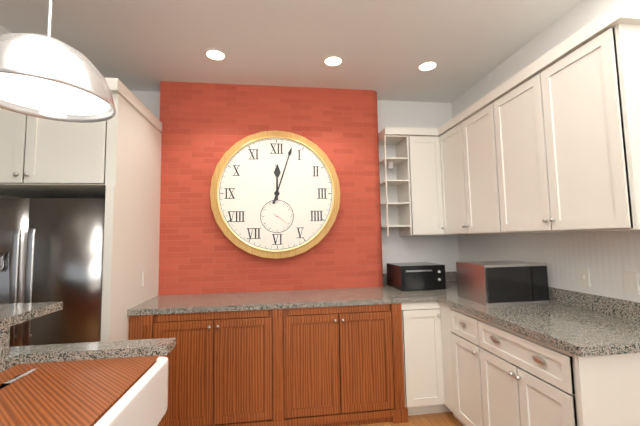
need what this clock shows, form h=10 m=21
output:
h=12 m=3
